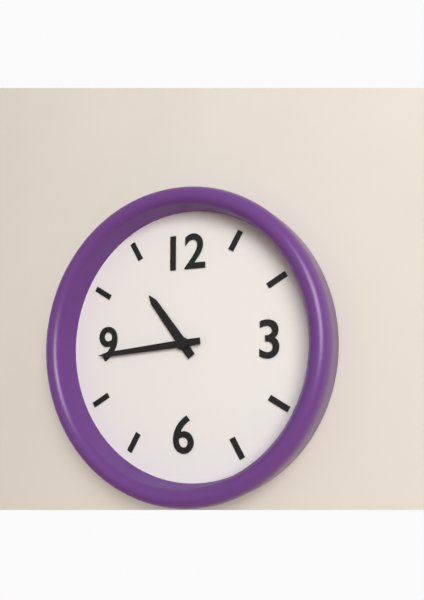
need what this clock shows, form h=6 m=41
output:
h=10 m=44
